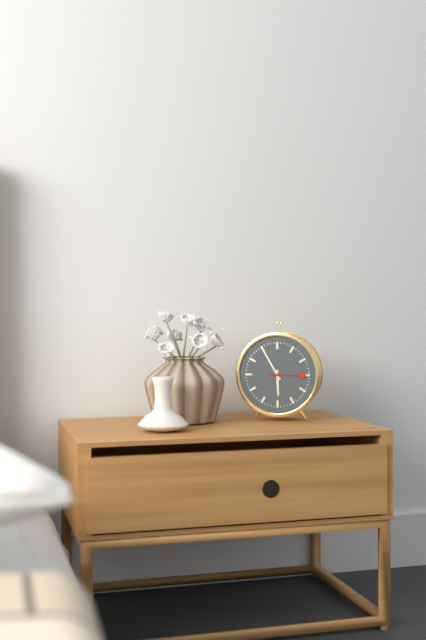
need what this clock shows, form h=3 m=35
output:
h=5 m=55
